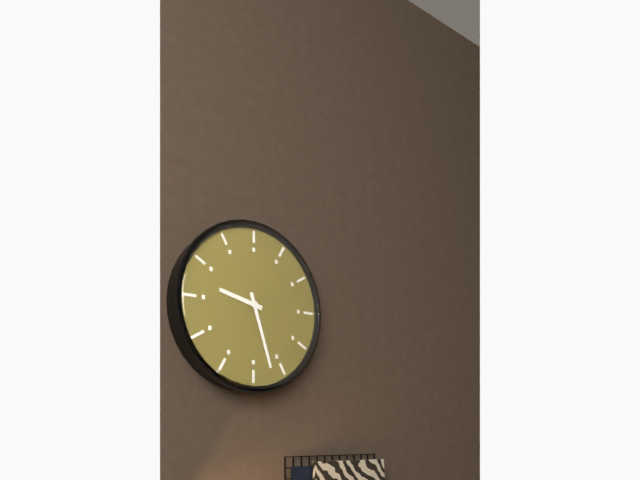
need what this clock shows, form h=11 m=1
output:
h=9 m=27
